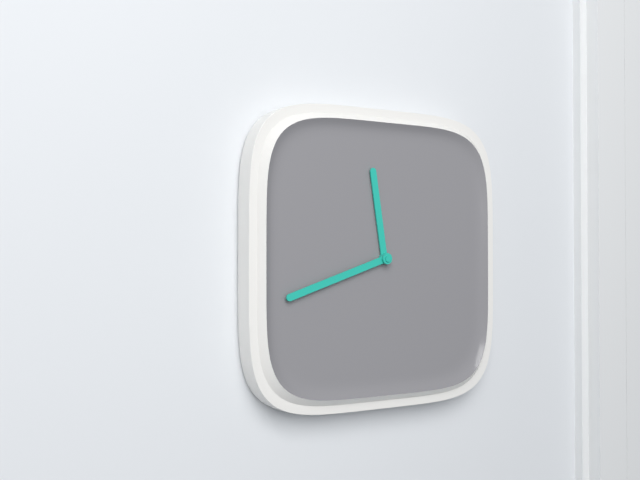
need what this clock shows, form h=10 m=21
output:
h=11 m=42
